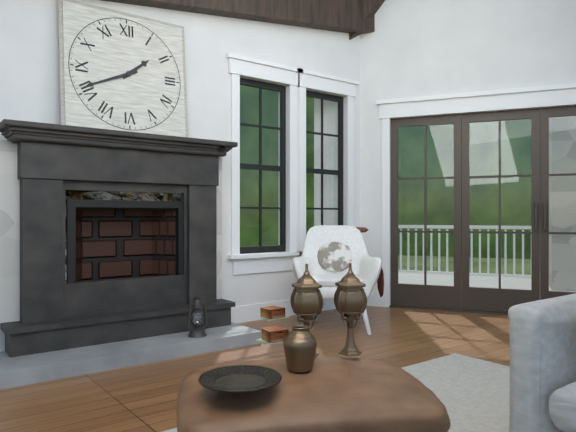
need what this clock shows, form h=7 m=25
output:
h=1 m=41
